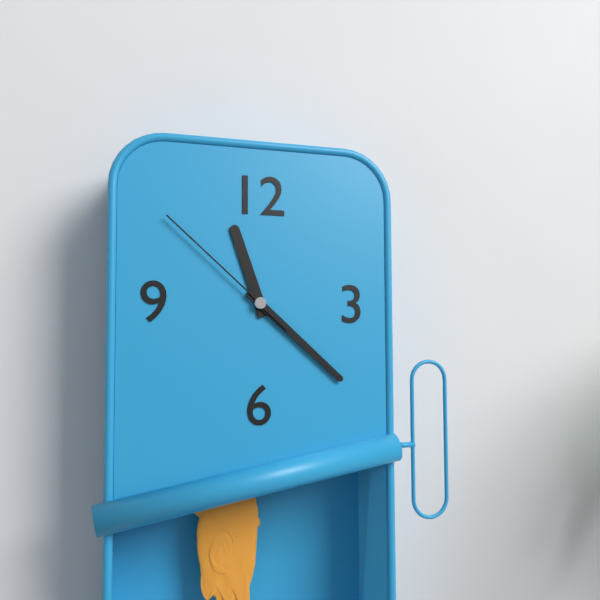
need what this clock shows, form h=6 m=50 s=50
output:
h=11 m=22 s=52
